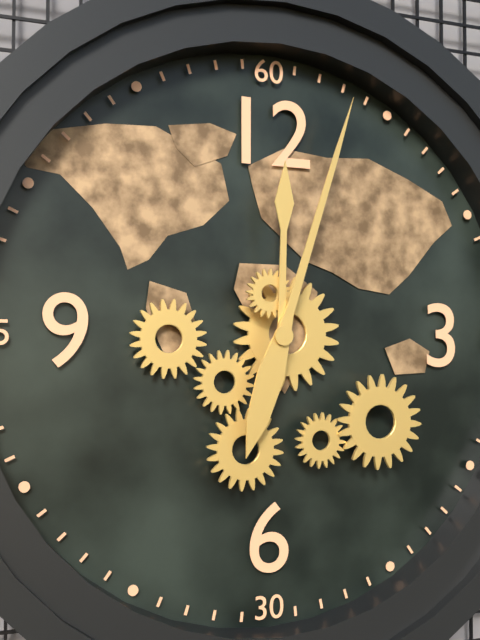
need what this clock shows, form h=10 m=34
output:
h=12 m=3
